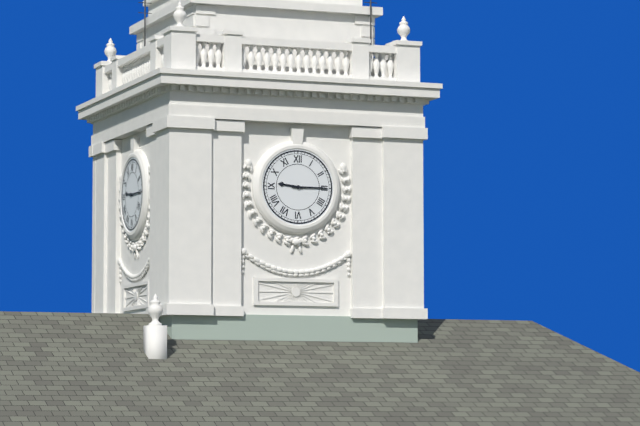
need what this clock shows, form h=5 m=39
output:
h=9 m=15
